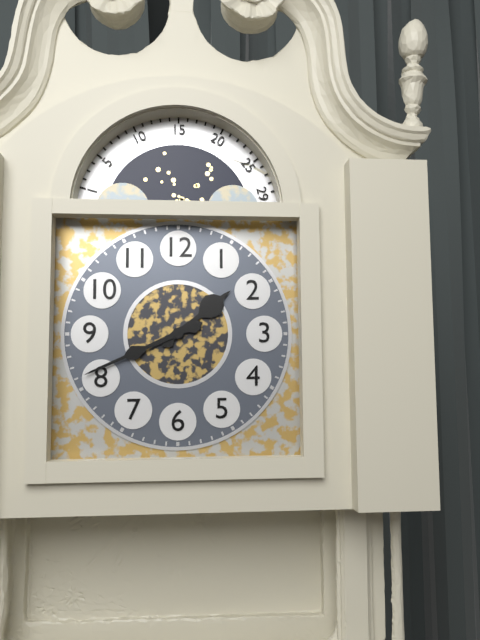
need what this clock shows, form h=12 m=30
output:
h=1 m=41
